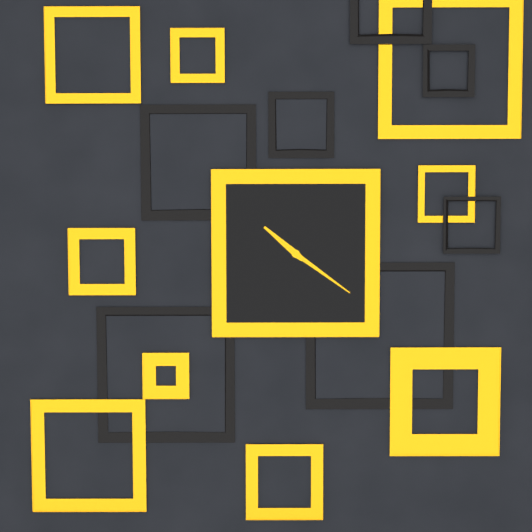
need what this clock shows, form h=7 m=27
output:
h=10 m=21
